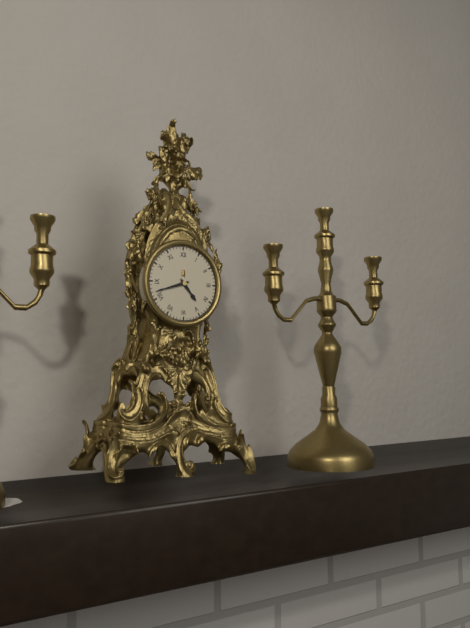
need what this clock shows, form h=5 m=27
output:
h=4 m=42
